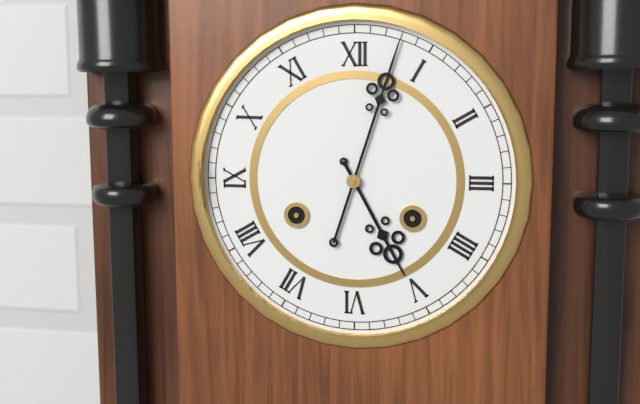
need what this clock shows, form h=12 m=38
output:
h=5 m=3
